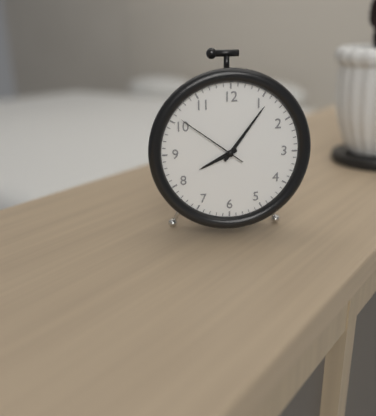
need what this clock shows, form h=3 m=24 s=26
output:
h=8 m=6 s=51
